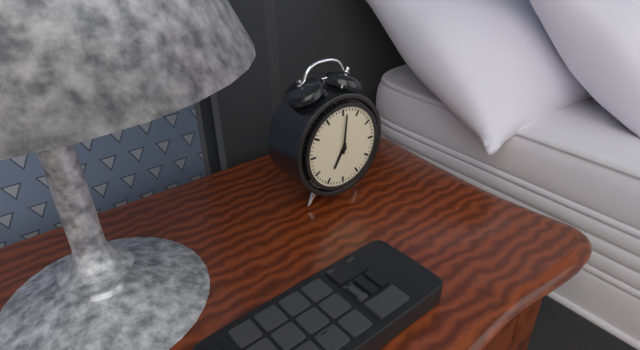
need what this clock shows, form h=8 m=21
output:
h=7 m=1
